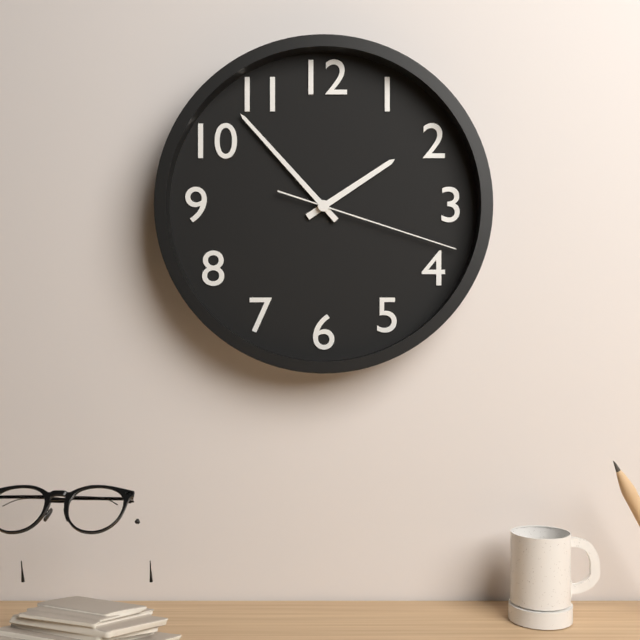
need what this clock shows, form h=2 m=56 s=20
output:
h=1 m=53 s=18
